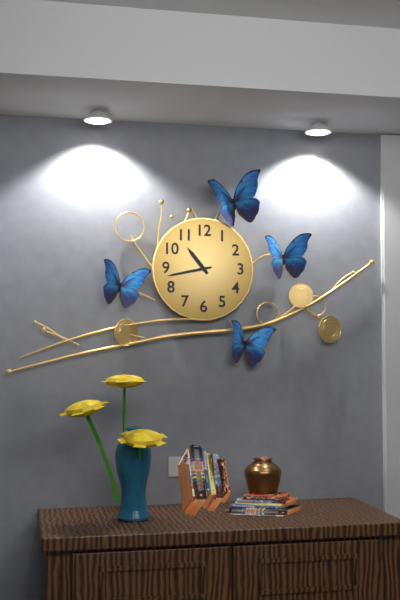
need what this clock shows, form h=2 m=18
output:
h=10 m=43
